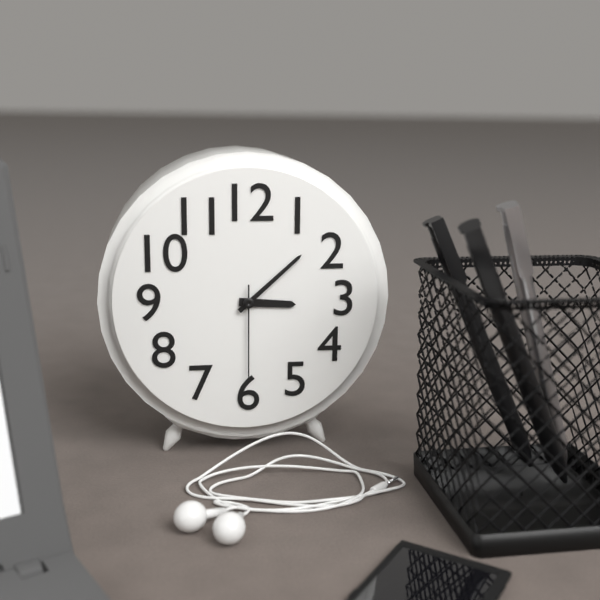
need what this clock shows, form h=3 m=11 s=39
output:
h=3 m=8 s=30
